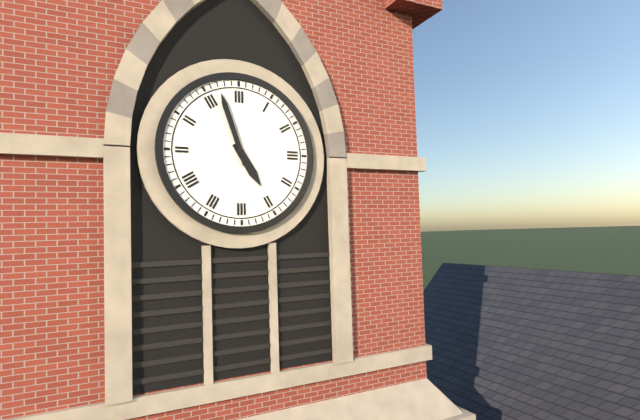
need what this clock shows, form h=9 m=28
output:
h=4 m=57
